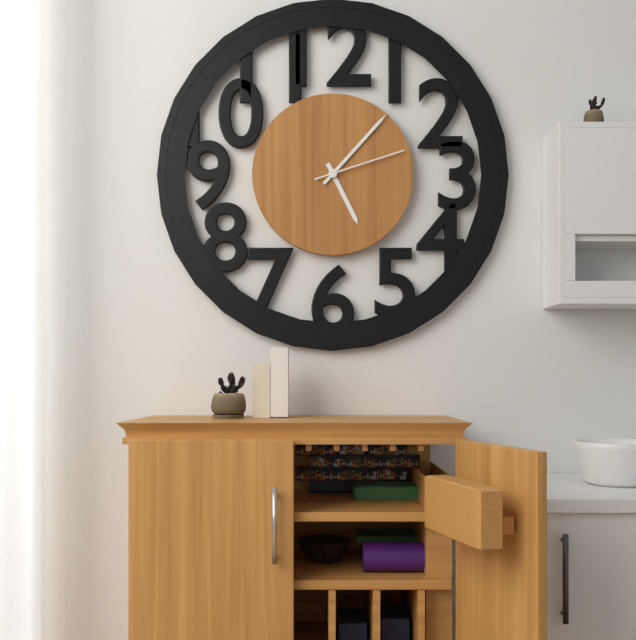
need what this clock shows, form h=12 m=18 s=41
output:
h=5 m=7 s=12
